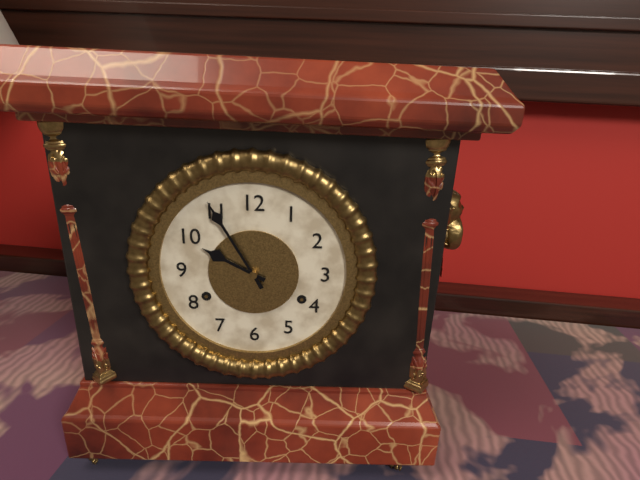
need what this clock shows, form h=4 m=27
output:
h=9 m=55
